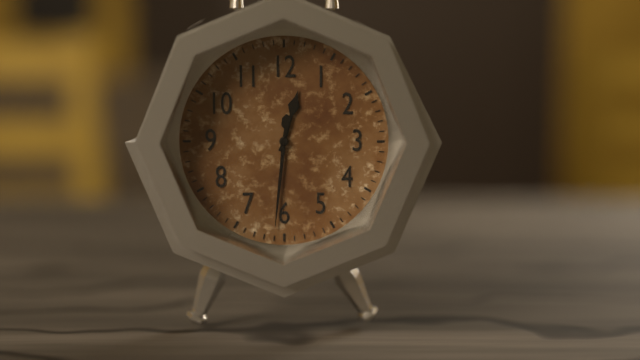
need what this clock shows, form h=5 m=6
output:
h=12 m=31
